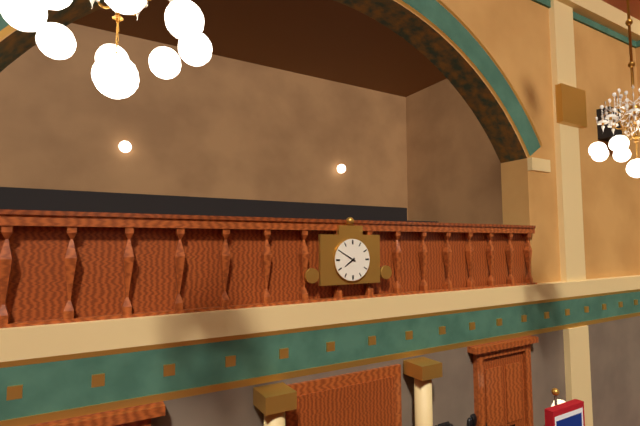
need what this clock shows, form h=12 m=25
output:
h=7 m=50
